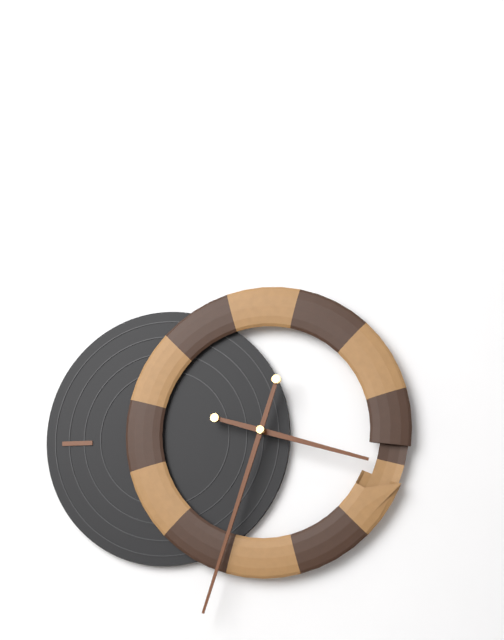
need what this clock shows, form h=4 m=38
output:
h=3 m=33
